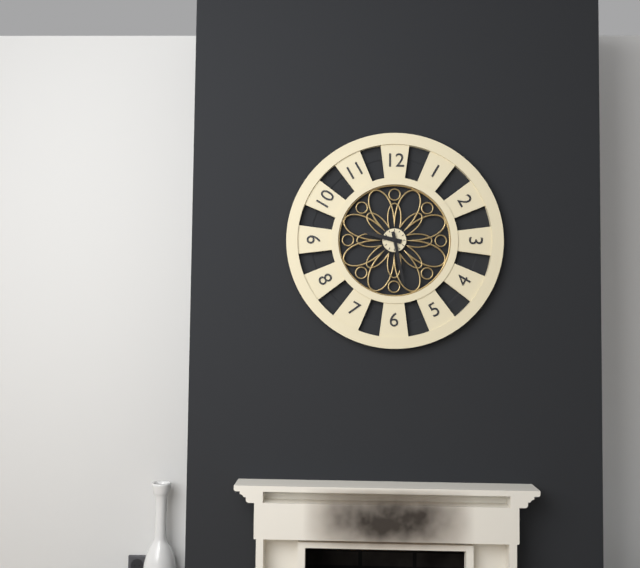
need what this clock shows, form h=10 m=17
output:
h=9 m=28
